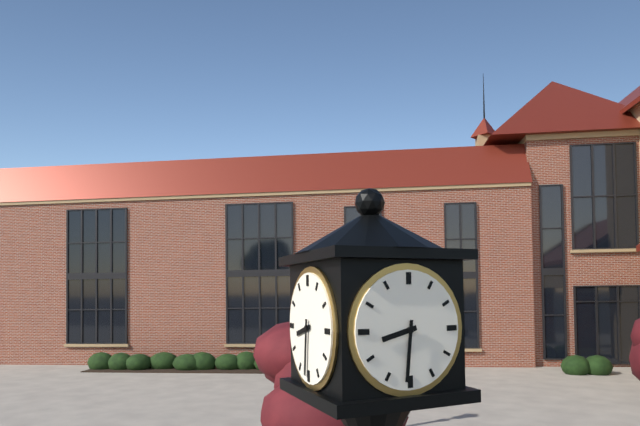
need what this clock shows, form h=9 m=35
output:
h=8 m=31
